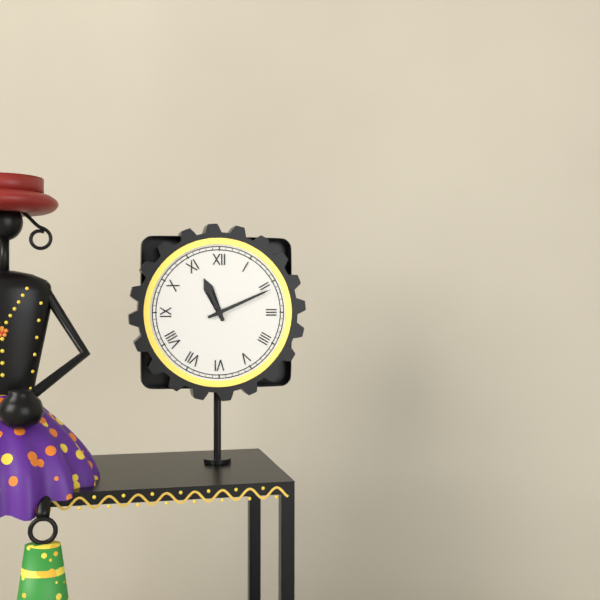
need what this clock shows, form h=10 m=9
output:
h=11 m=11
